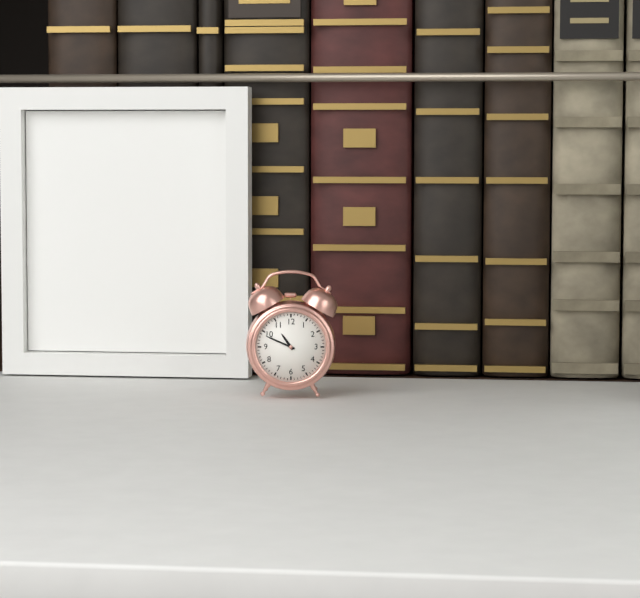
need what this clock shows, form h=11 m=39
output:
h=10 m=49
